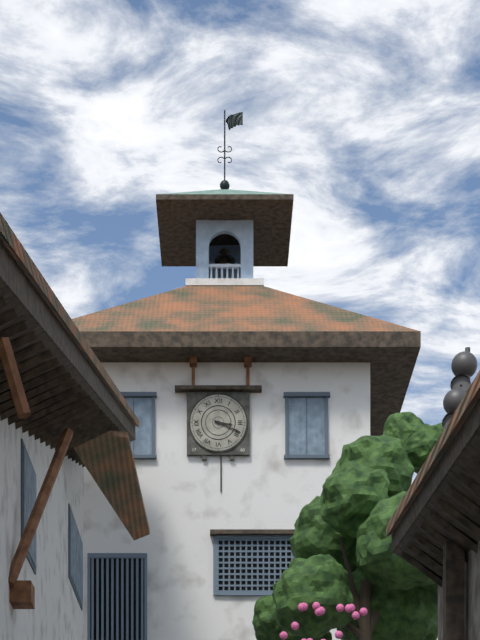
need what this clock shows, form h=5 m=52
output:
h=3 m=19
